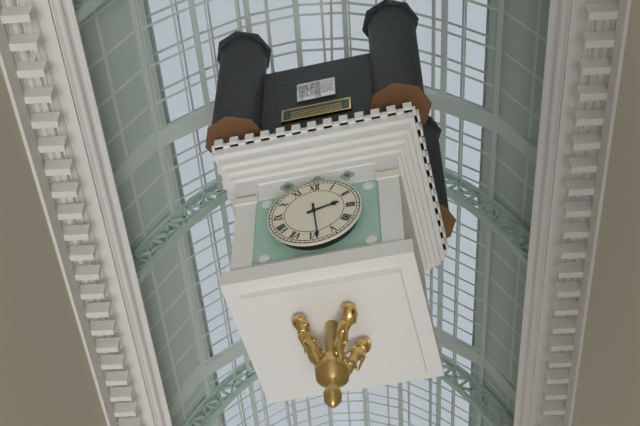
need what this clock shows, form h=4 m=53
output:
h=2 m=29
